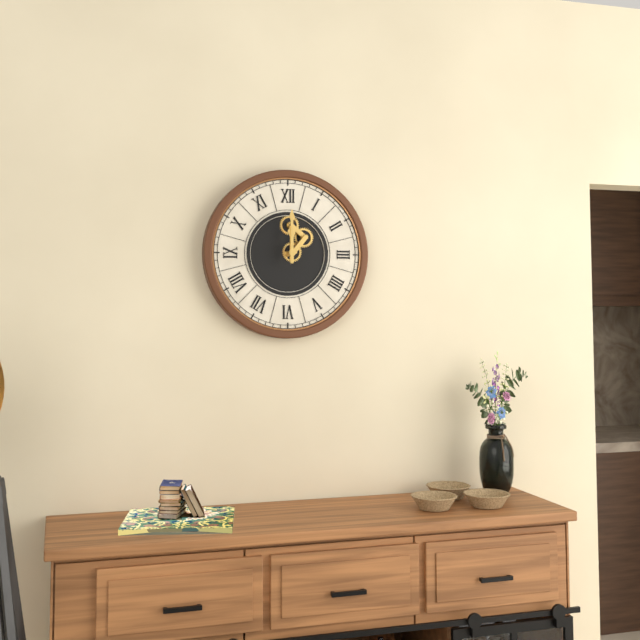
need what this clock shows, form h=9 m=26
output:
h=12 m=0
